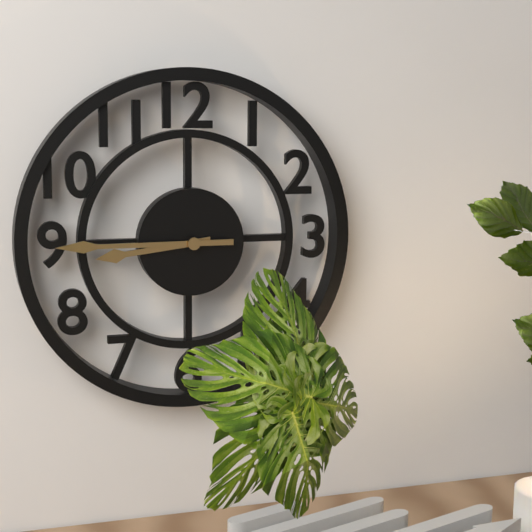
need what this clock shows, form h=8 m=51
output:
h=8 m=45
